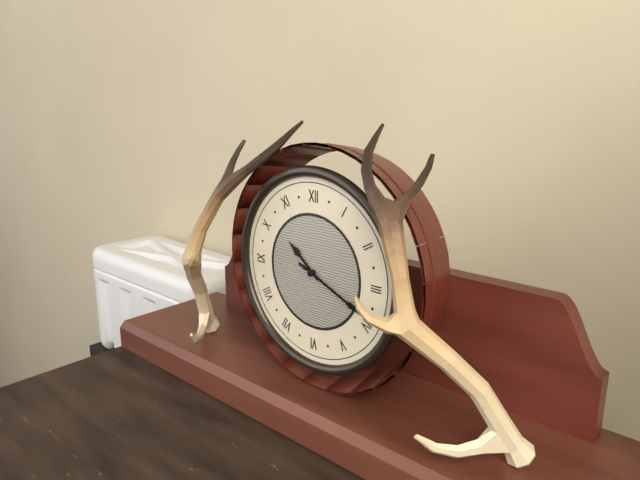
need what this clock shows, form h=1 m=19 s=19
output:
h=10 m=19 s=19
